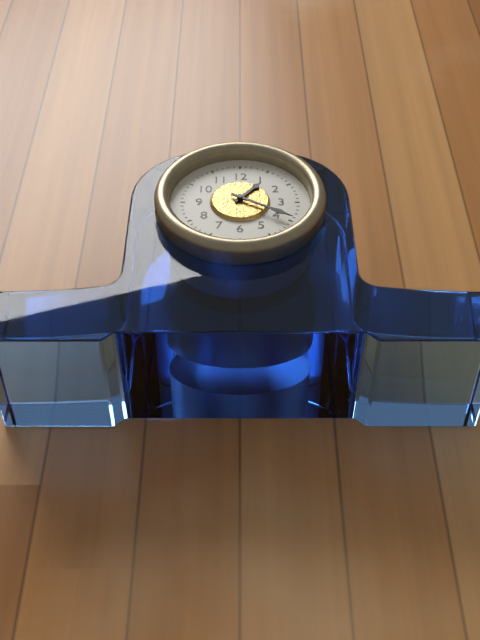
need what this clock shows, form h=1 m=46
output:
h=1 m=20
